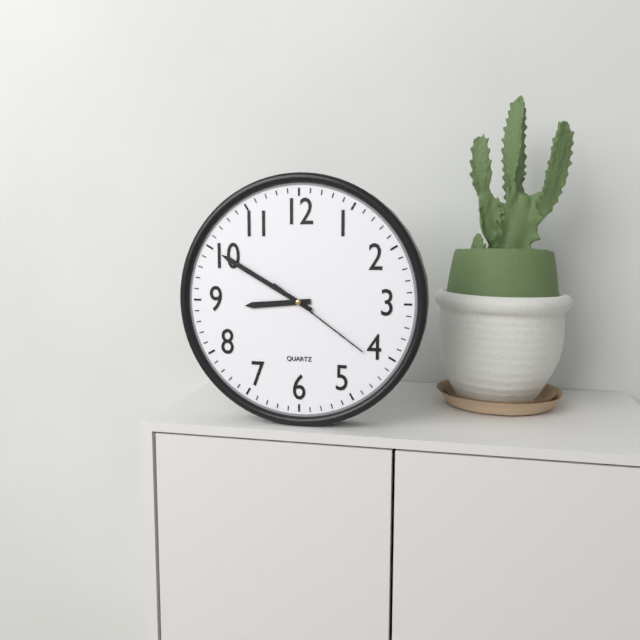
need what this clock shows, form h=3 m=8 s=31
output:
h=8 m=50 s=21
